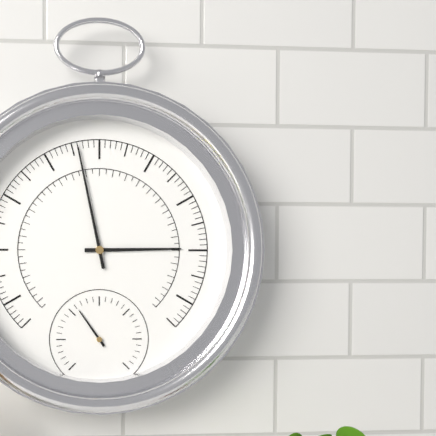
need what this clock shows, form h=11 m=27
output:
h=2 m=58
